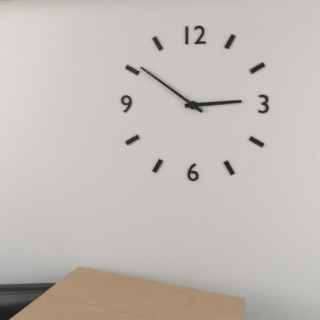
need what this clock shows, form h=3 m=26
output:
h=2 m=51
